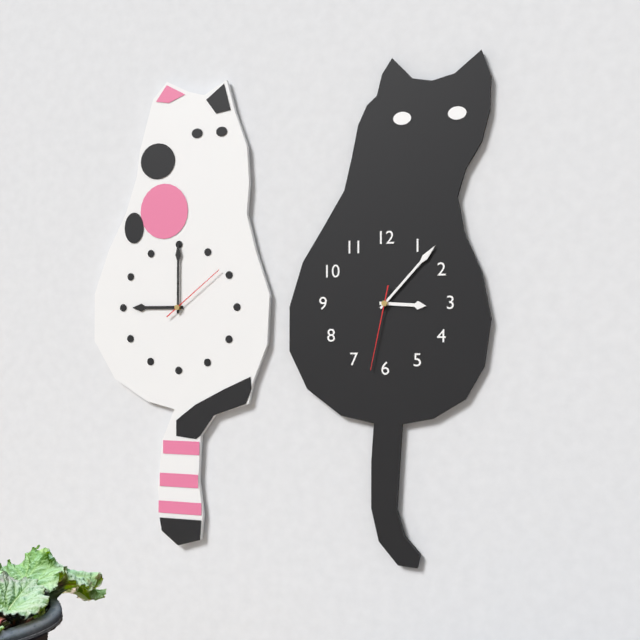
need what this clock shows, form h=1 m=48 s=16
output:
h=3 m=7 s=32
